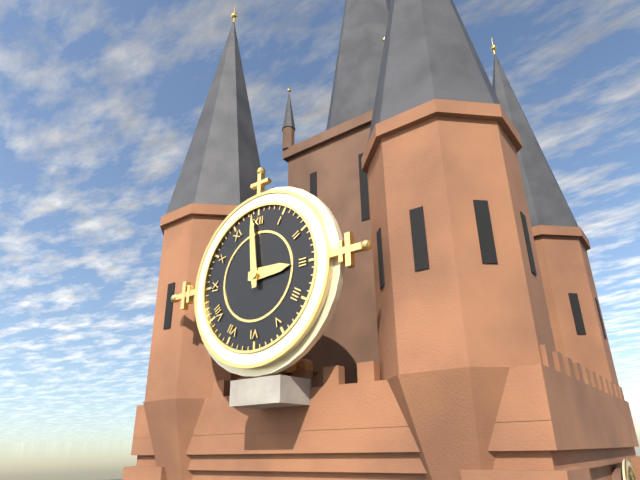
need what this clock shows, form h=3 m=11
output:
h=2 m=59
